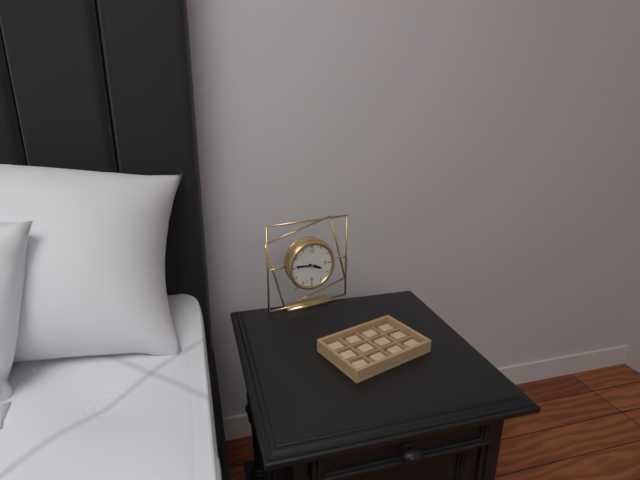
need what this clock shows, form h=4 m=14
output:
h=3 m=46
